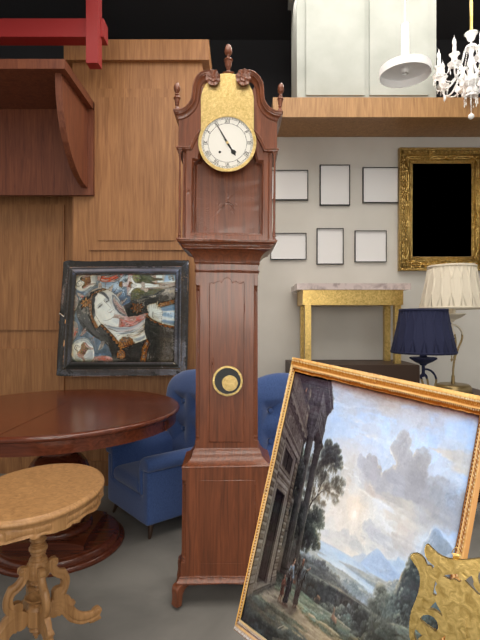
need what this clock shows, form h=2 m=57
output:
h=4 m=55
